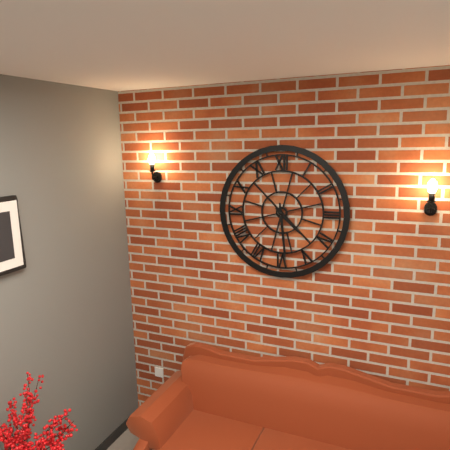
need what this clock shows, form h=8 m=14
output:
h=4 m=29
